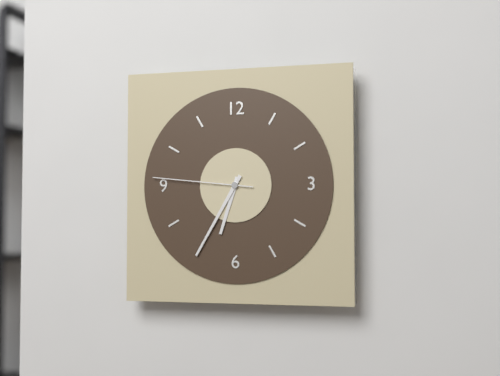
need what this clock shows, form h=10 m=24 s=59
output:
h=6 m=35 s=46
